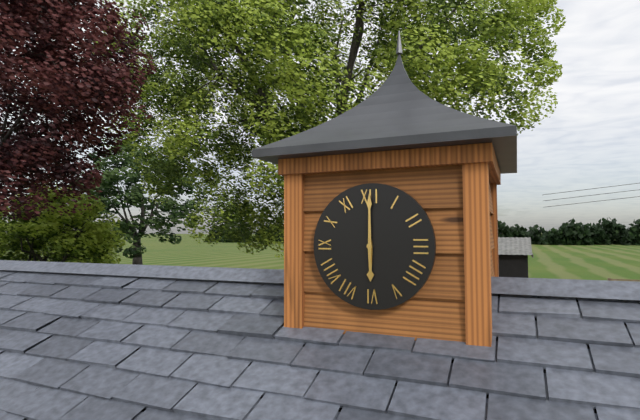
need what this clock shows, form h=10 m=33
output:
h=6 m=0
